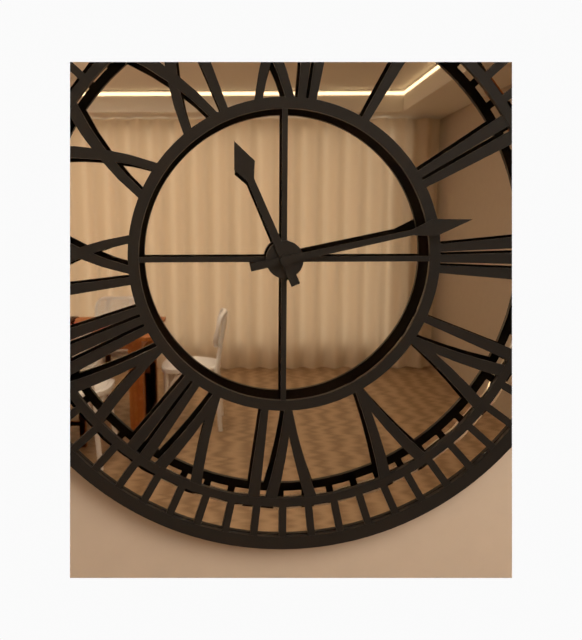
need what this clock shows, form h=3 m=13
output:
h=11 m=13
